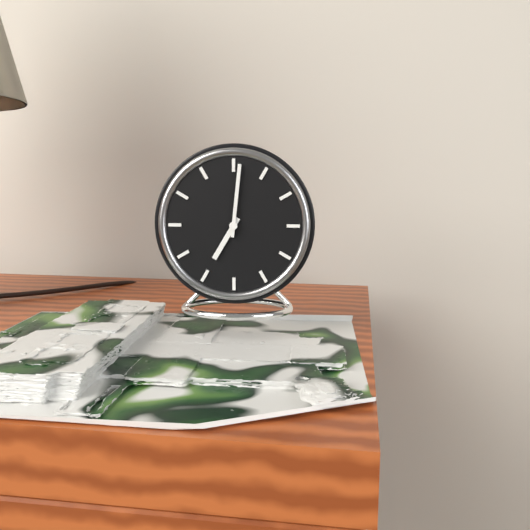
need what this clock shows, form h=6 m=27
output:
h=7 m=1
